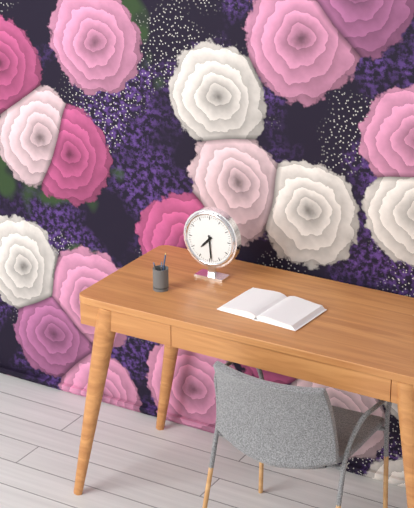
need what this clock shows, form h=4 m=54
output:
h=7 m=29
